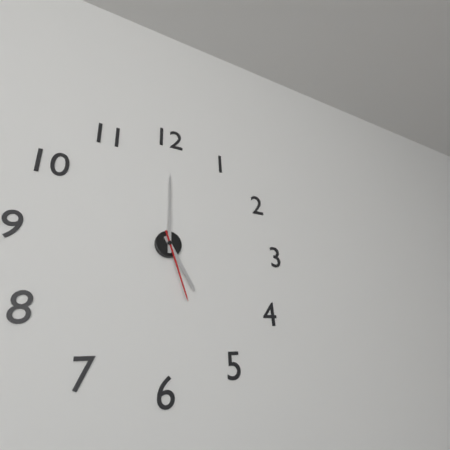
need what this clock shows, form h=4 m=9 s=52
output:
h=5 m=0 s=27
